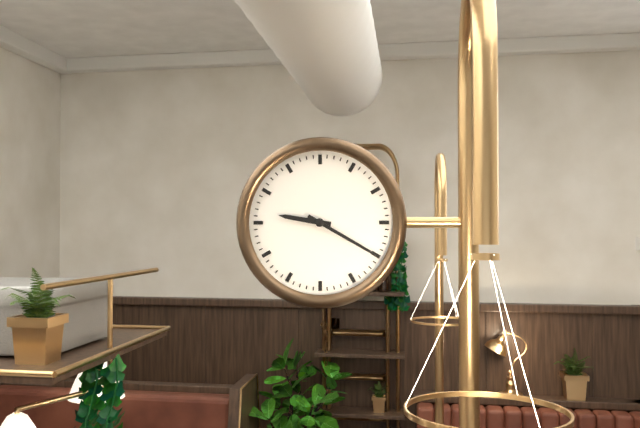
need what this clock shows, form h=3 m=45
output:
h=9 m=20
